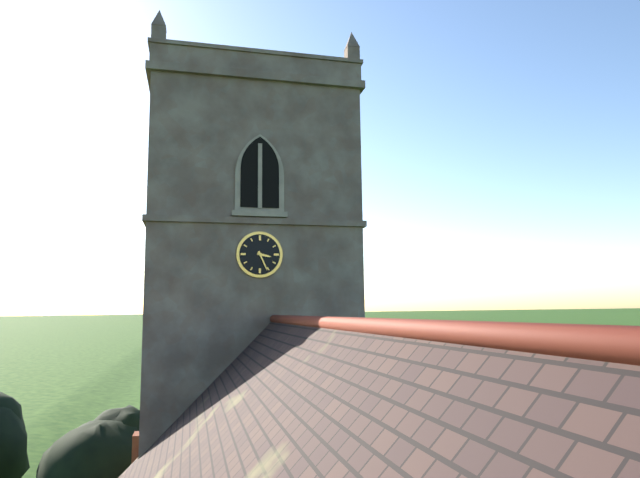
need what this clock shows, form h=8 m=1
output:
h=3 m=26
